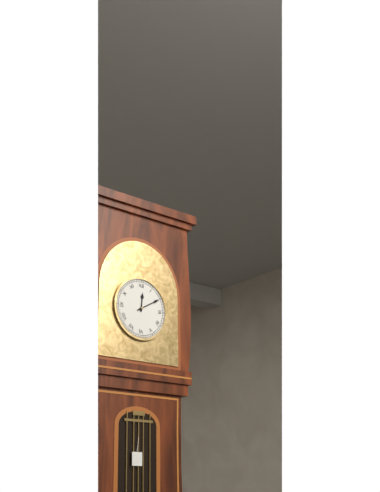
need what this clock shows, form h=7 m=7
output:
h=12 m=10
